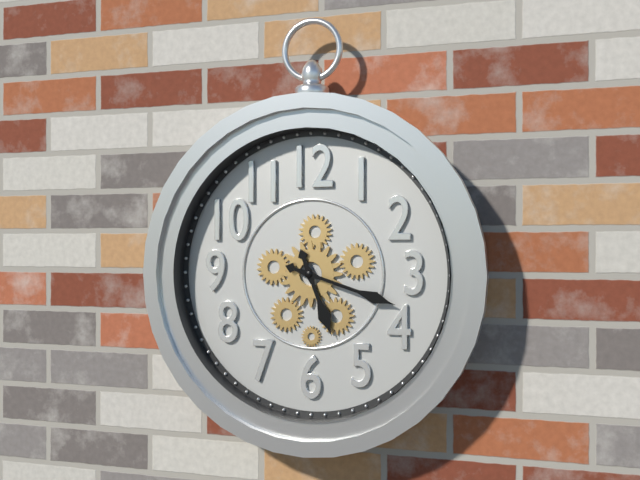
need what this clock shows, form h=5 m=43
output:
h=5 m=18
